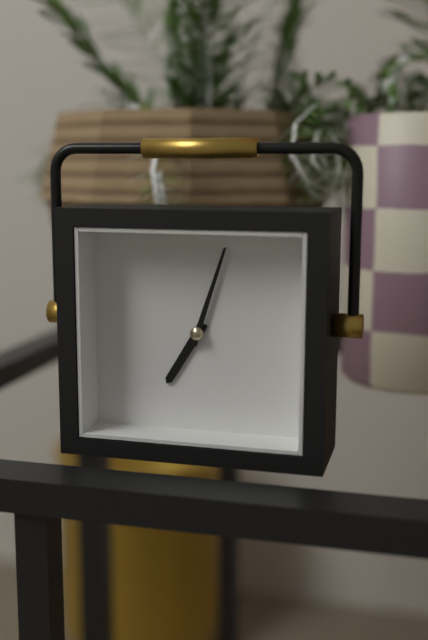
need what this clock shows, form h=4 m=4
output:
h=7 m=3
